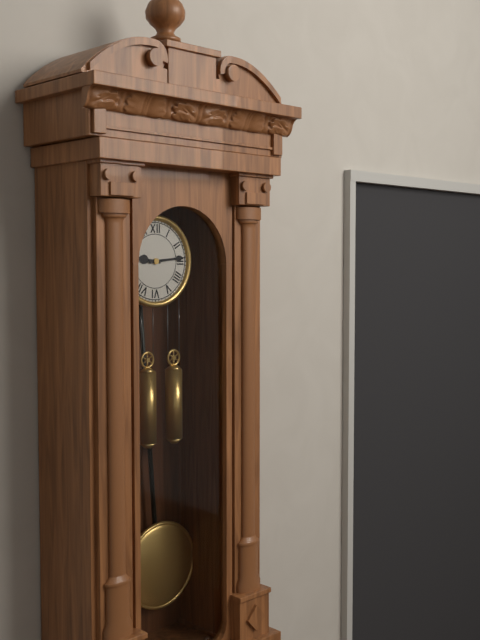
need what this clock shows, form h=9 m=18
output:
h=9 m=14
